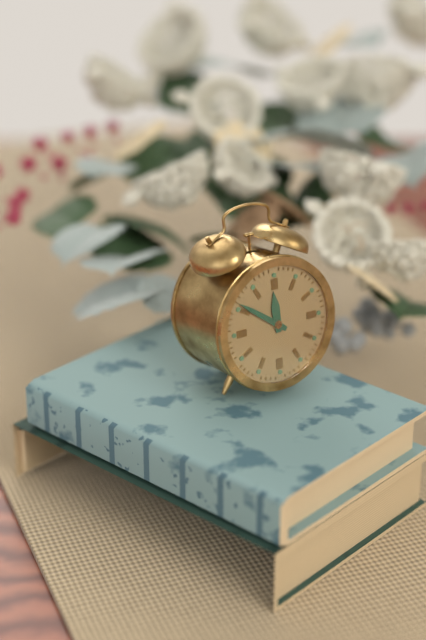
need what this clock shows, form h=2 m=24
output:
h=11 m=51
